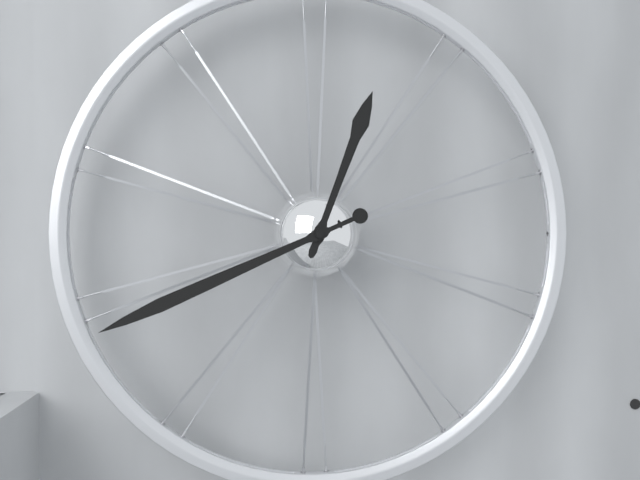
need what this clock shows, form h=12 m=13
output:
h=12 m=41
